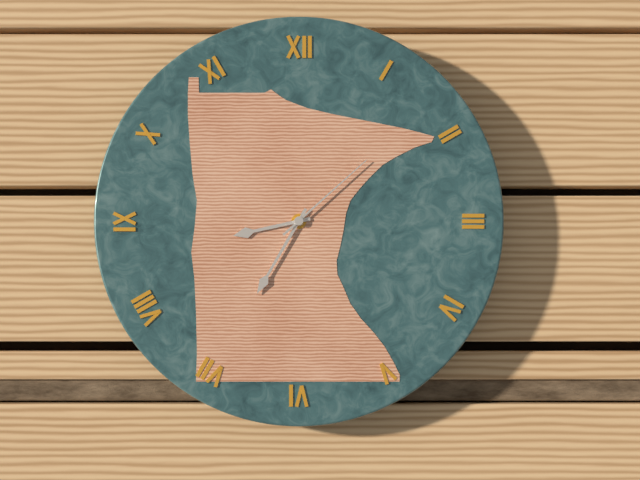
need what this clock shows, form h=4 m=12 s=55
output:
h=8 m=35 s=8
